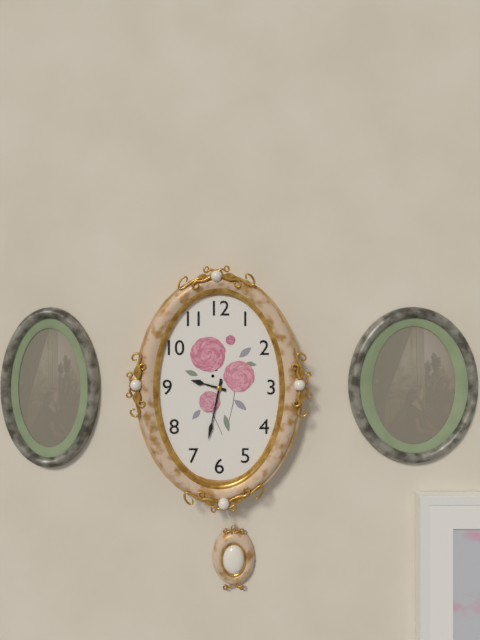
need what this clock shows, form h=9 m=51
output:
h=9 m=32
